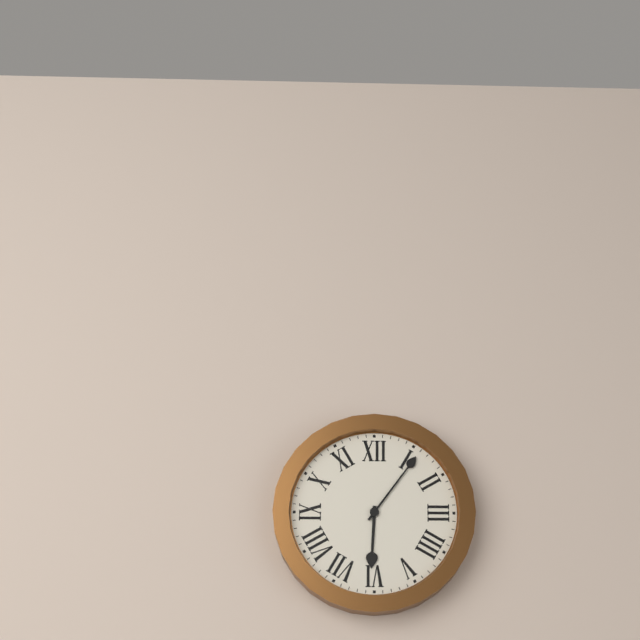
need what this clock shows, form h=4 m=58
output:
h=6 m=6
